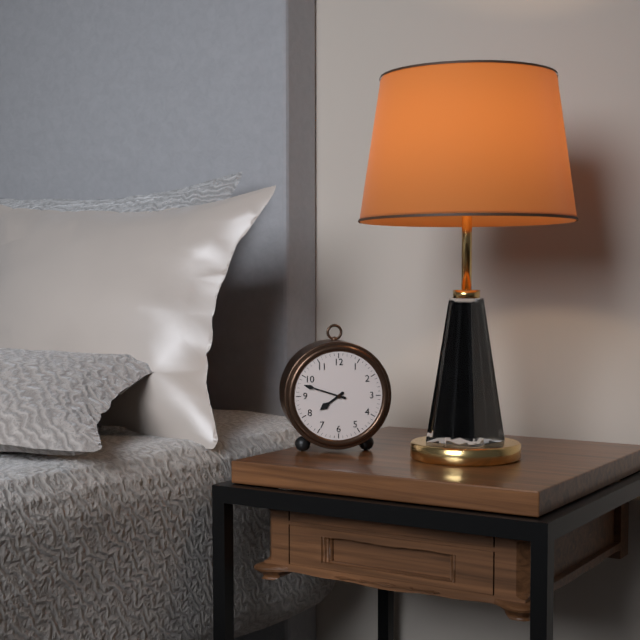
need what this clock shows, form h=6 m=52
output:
h=7 m=48
